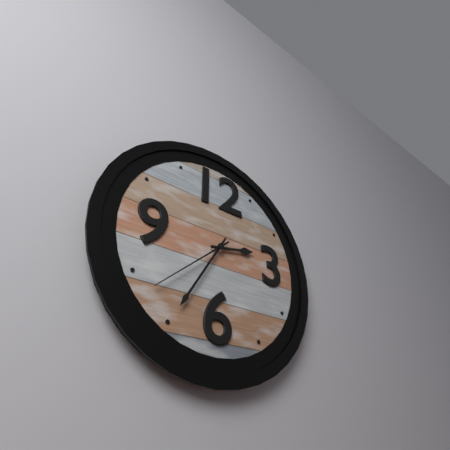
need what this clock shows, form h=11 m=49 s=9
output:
h=2 m=35 s=38
